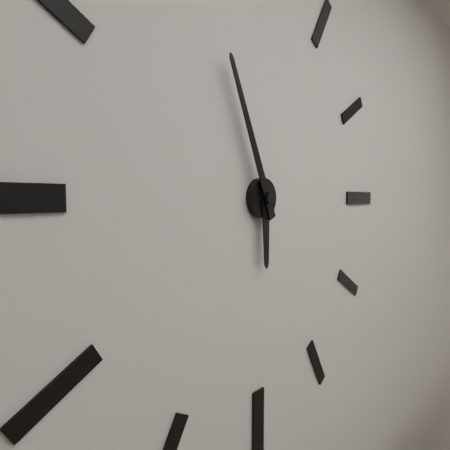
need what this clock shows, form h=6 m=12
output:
h=5 m=56
